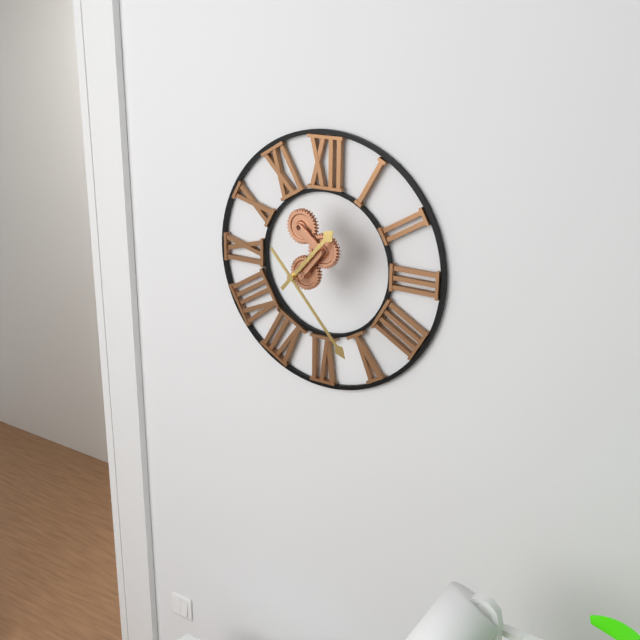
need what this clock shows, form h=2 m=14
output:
h=1 m=23
